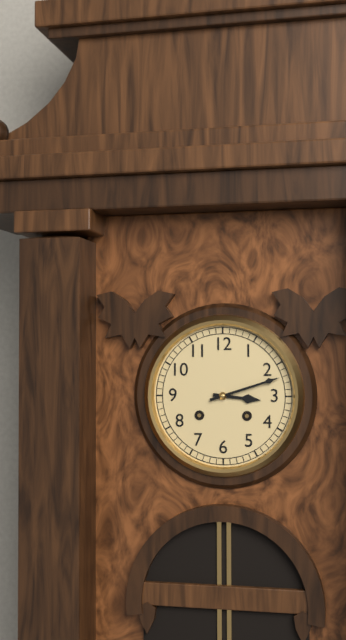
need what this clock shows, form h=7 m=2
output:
h=3 m=12
